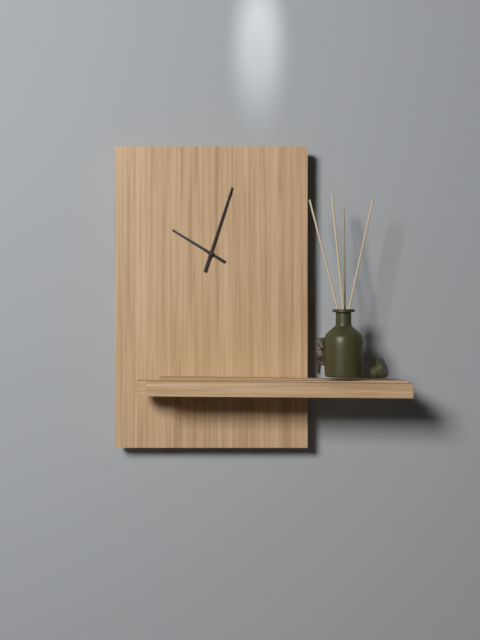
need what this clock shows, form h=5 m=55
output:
h=10 m=3
